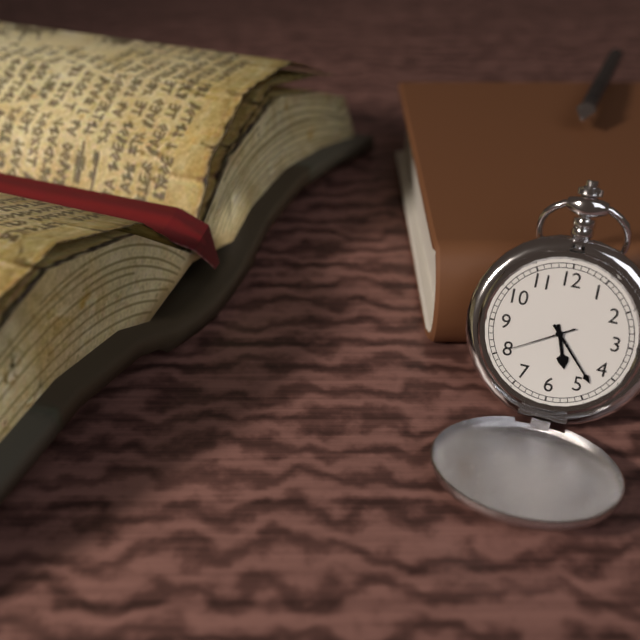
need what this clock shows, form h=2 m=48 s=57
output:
h=5 m=23 s=40
